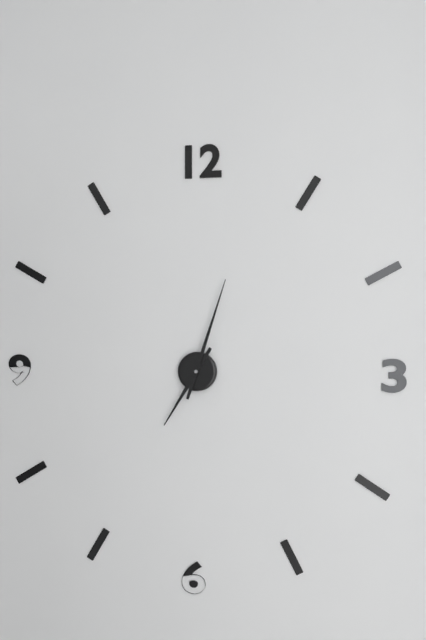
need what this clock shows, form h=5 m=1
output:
h=7 m=3
